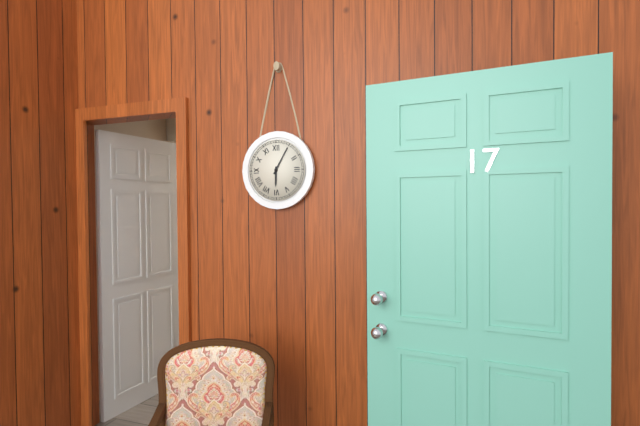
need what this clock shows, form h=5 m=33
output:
h=6 m=5
